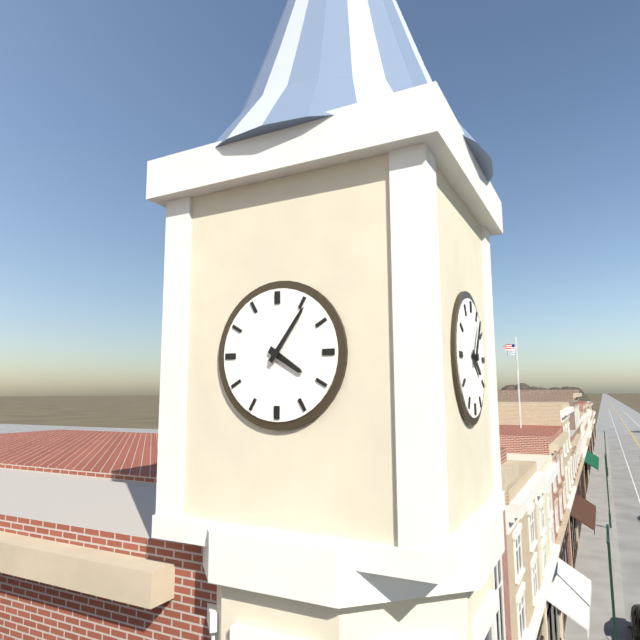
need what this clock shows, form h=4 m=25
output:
h=4 m=6
